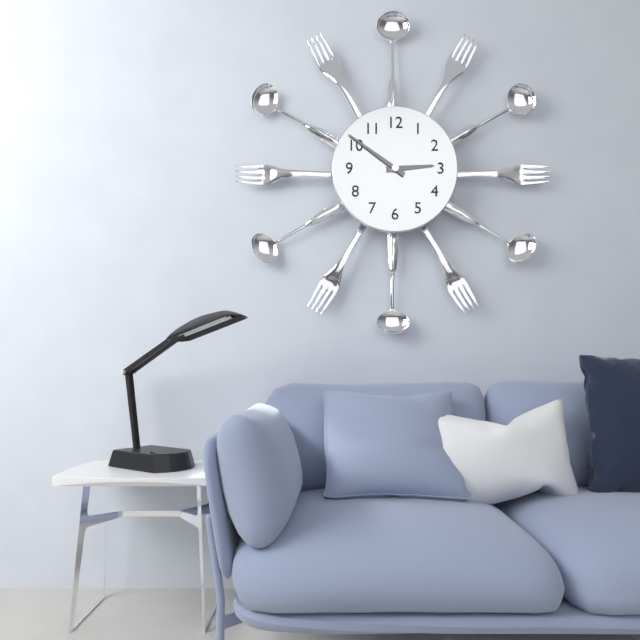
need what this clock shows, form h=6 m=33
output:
h=2 m=51
